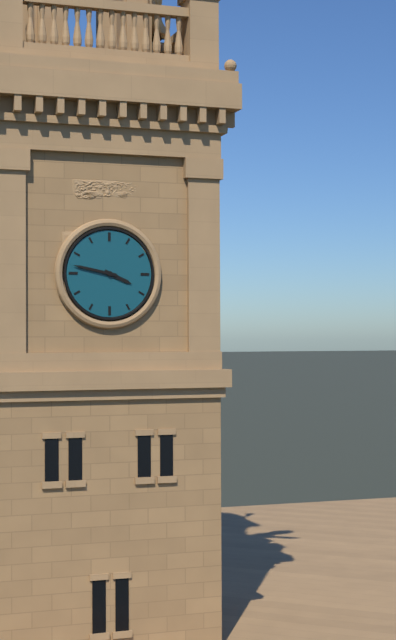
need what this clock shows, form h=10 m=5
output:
h=3 m=47
